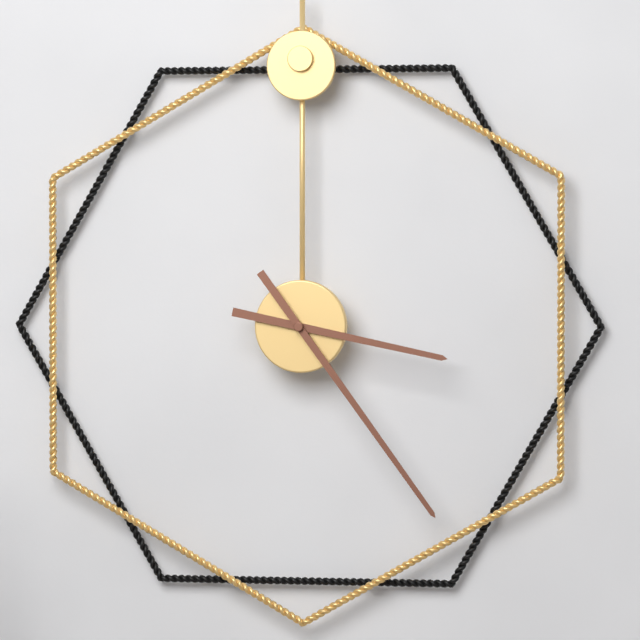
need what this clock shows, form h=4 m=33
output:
h=3 m=24
